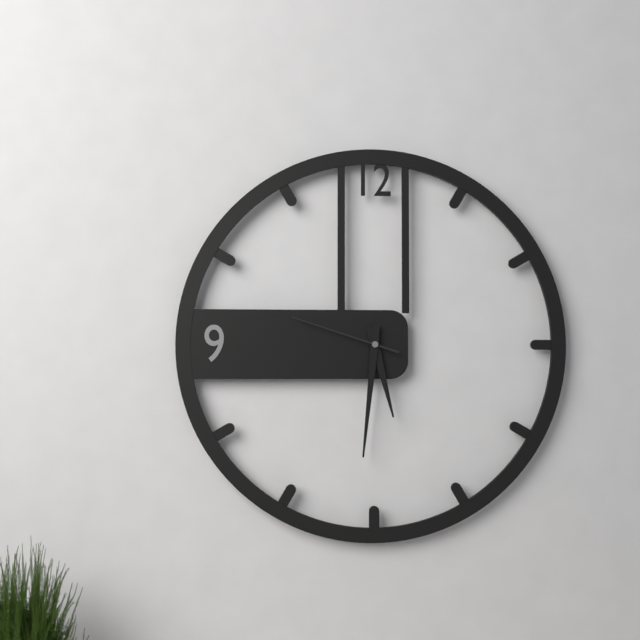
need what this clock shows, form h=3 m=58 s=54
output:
h=5 m=31 s=48
